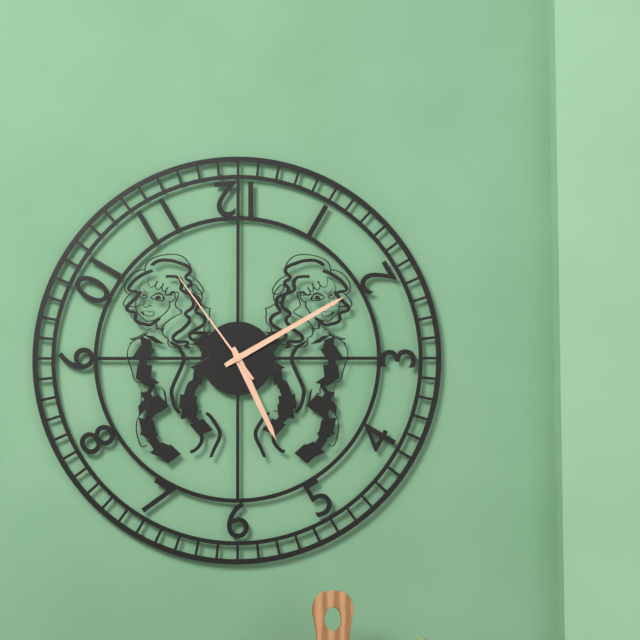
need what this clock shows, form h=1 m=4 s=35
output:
h=5 m=10 s=54
